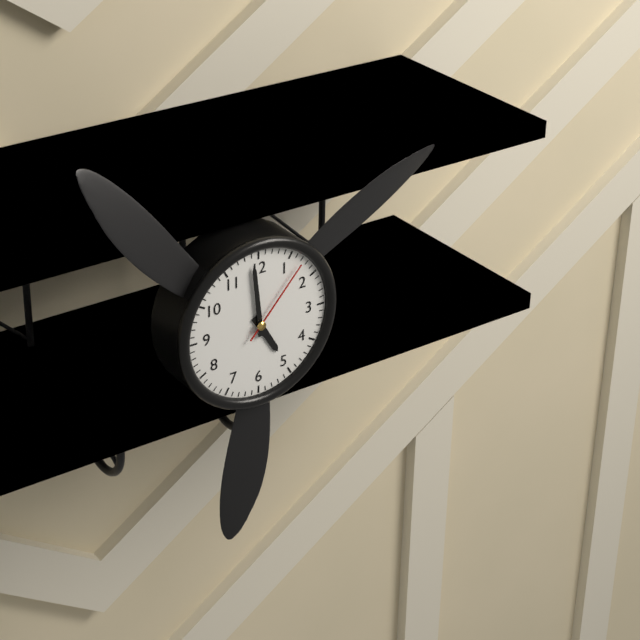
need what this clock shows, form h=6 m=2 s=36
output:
h=4 m=59 s=7
